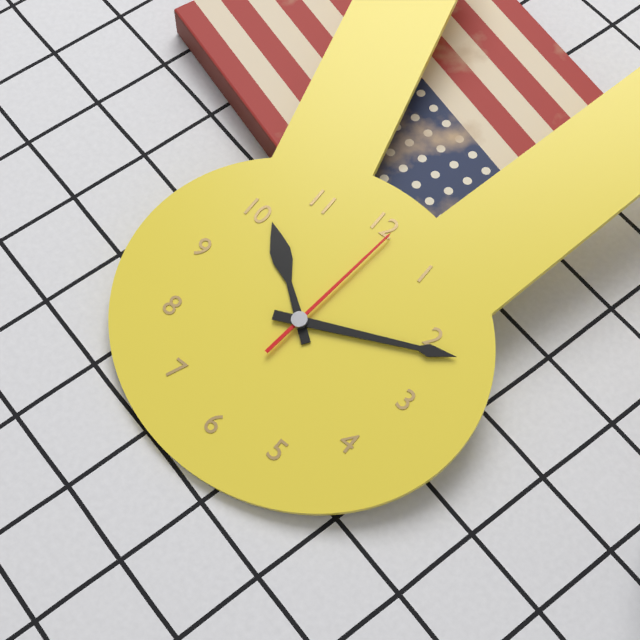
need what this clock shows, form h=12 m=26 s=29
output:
h=10 m=11 s=1
